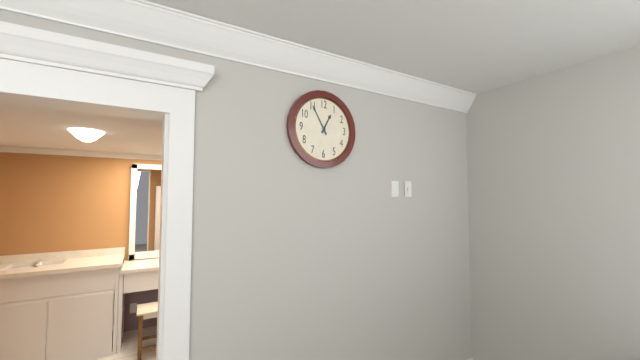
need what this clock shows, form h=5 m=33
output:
h=12 m=55
